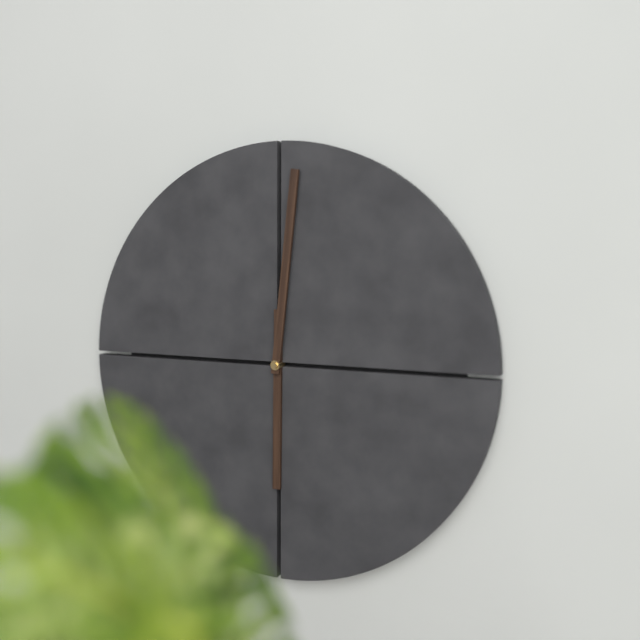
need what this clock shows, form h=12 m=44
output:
h=6 m=1
